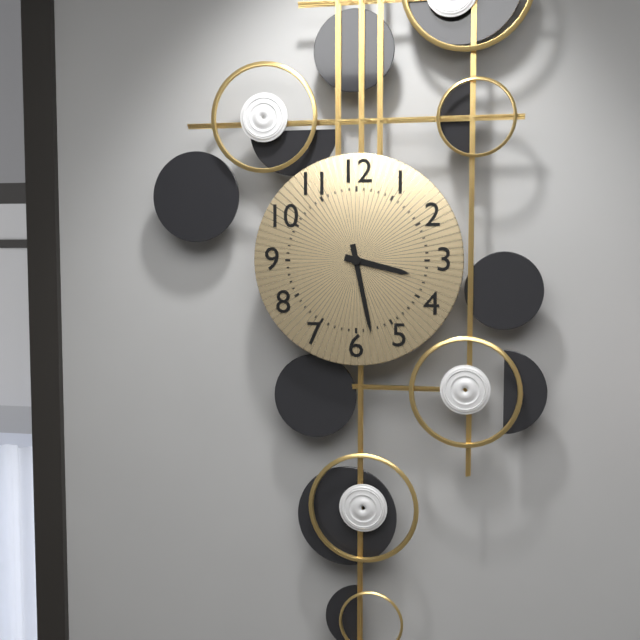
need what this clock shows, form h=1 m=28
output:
h=3 m=28
